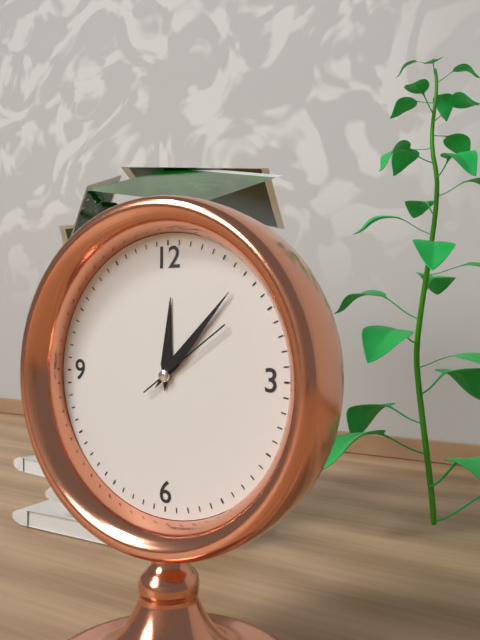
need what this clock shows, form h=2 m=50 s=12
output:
h=12 m=7 s=9
